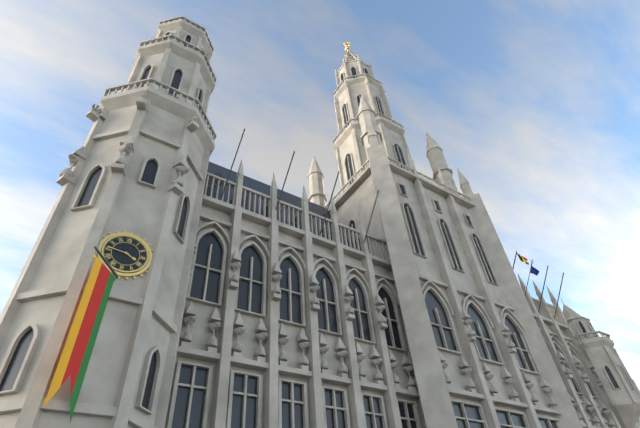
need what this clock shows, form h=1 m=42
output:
h=3 m=46
